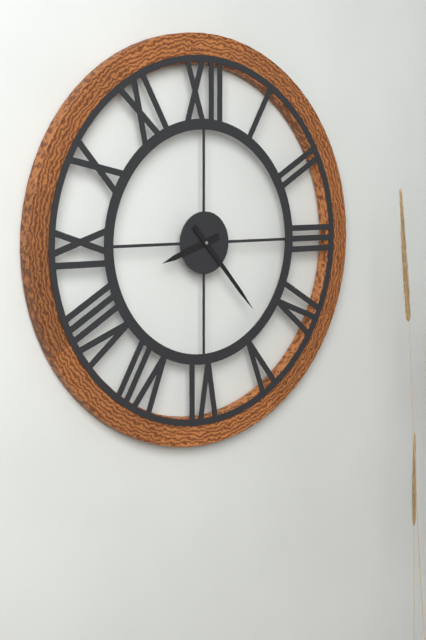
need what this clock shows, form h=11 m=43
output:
h=8 m=23
